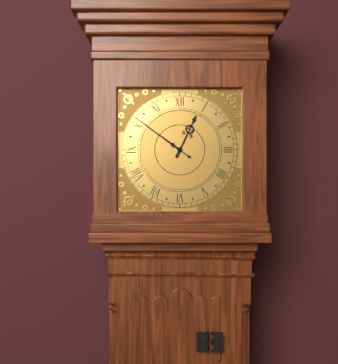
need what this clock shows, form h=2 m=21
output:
h=12 m=51
